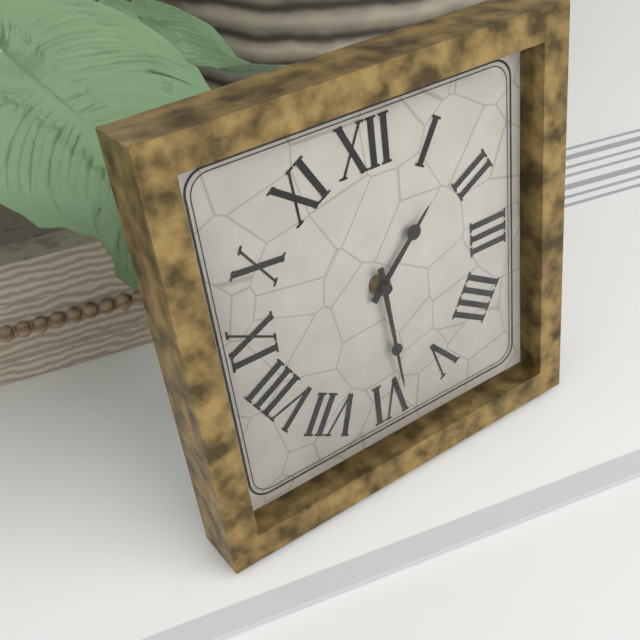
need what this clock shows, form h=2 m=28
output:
h=1 m=29
